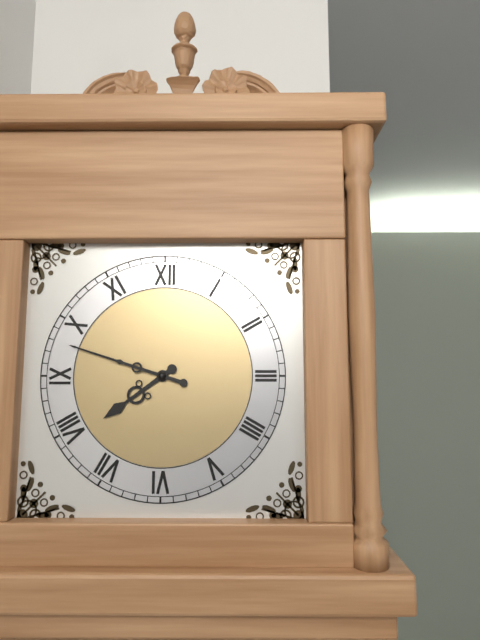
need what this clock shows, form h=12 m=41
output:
h=7 m=48
